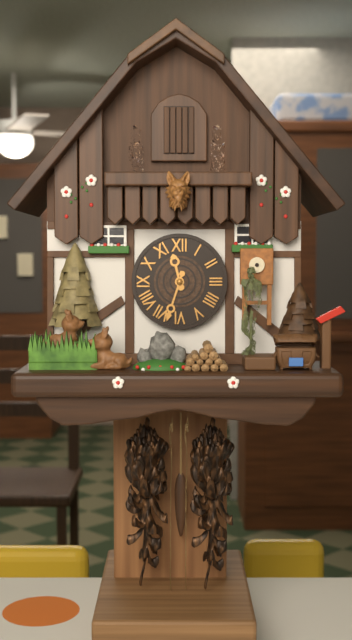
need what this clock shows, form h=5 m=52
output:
h=11 m=33
